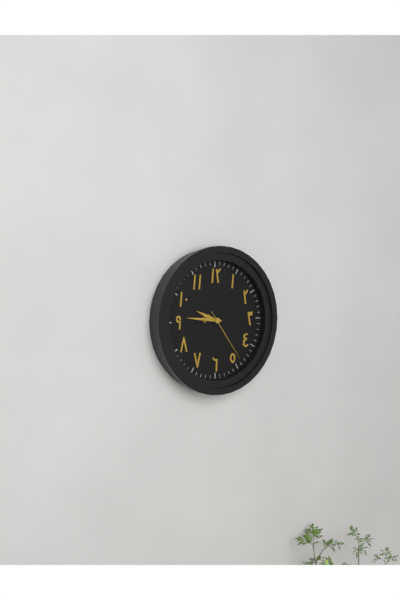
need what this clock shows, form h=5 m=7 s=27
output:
h=9 m=46 s=24
